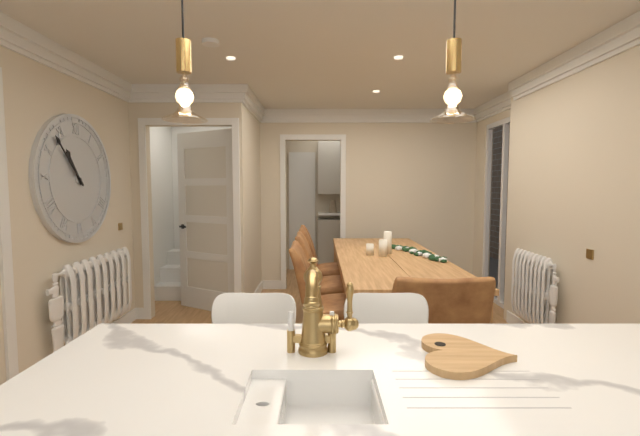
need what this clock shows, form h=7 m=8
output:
h=10 m=53
